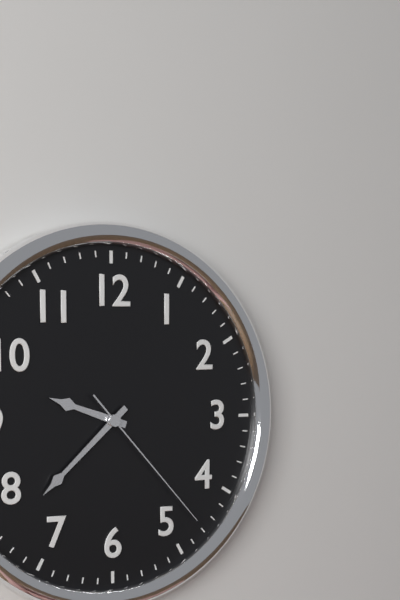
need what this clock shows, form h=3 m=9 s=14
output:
h=9 m=38 s=23
